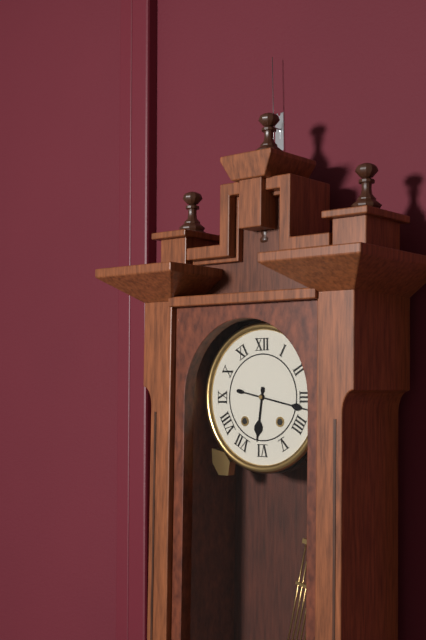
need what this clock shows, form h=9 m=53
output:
h=6 m=17
